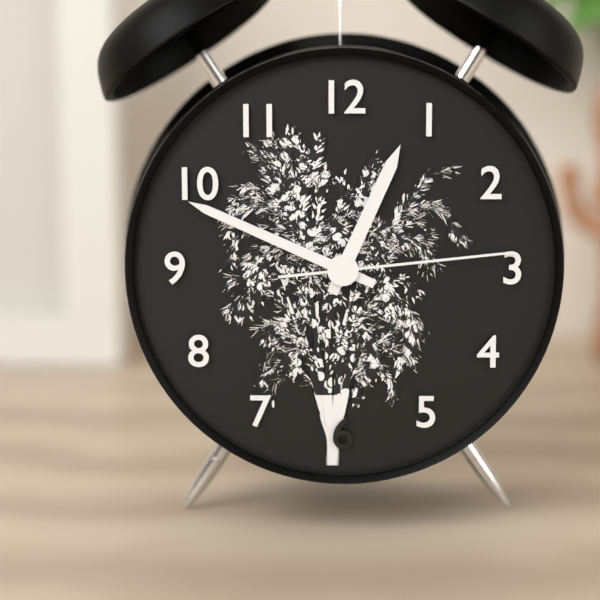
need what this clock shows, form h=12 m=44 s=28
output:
h=12 m=49 s=14
